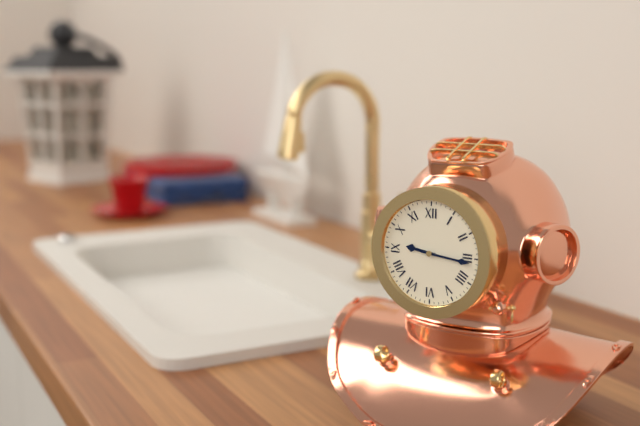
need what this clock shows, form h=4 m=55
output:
h=9 m=16
